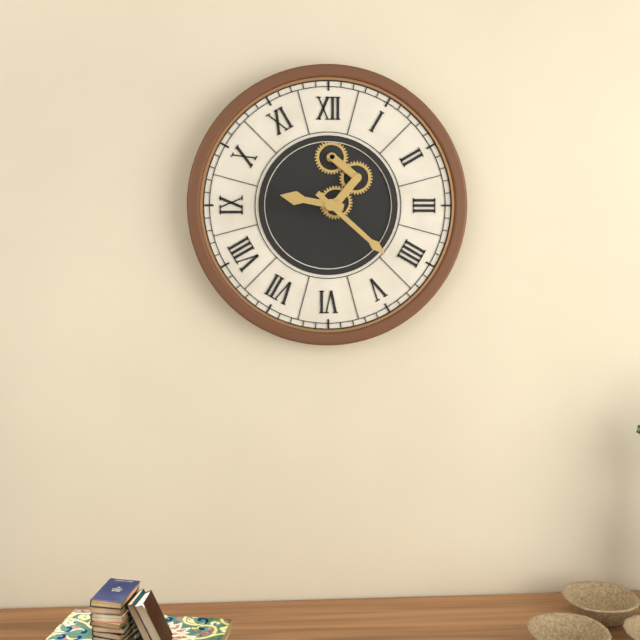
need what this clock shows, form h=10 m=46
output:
h=9 m=22
